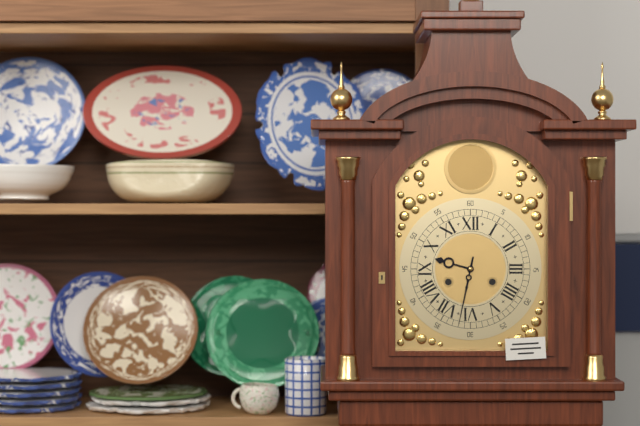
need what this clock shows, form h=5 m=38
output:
h=9 m=32
